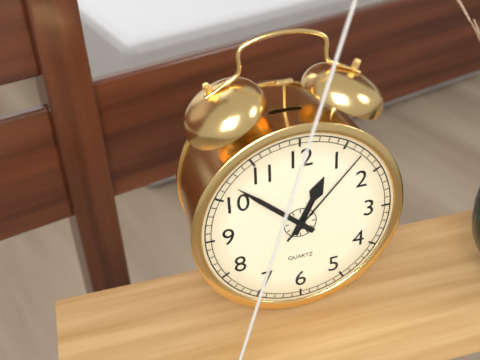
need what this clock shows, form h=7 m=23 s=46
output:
h=12 m=52 s=7
